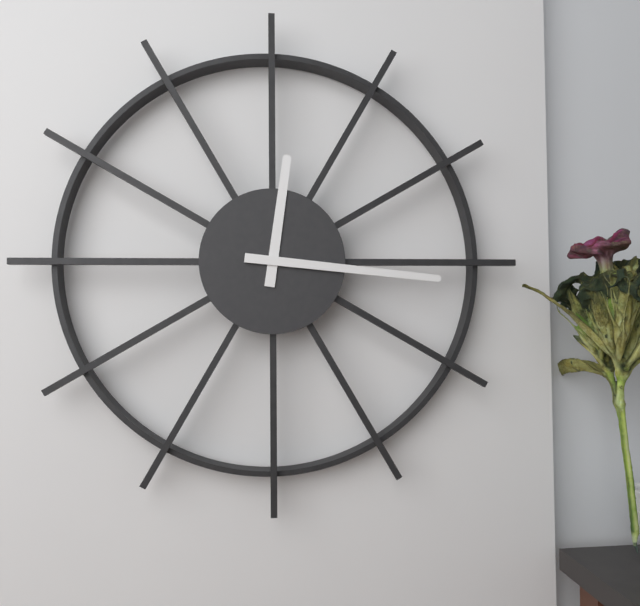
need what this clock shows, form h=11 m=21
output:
h=12 m=16
